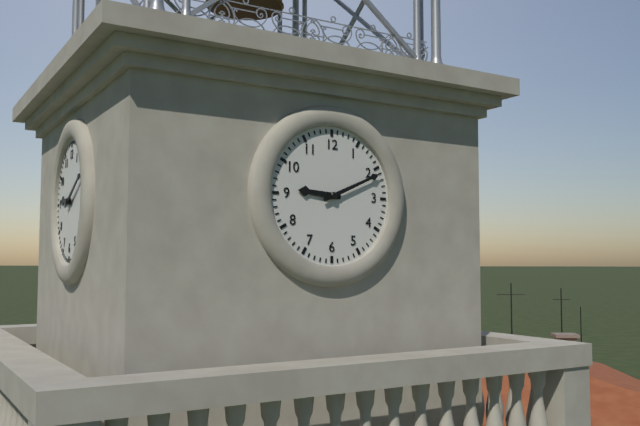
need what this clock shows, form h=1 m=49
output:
h=9 m=11
